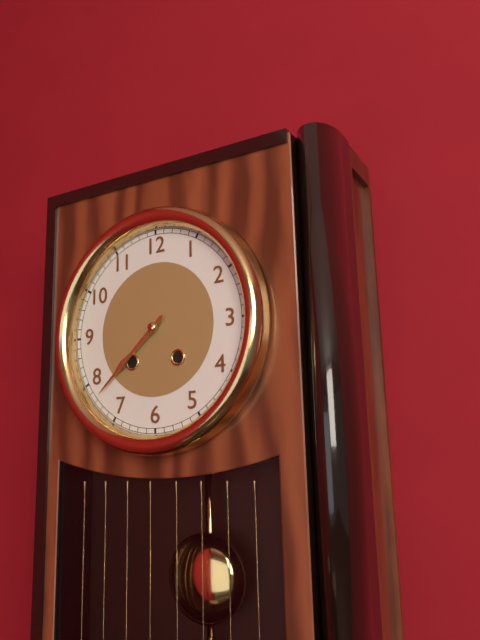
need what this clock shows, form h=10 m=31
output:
h=7 m=38
